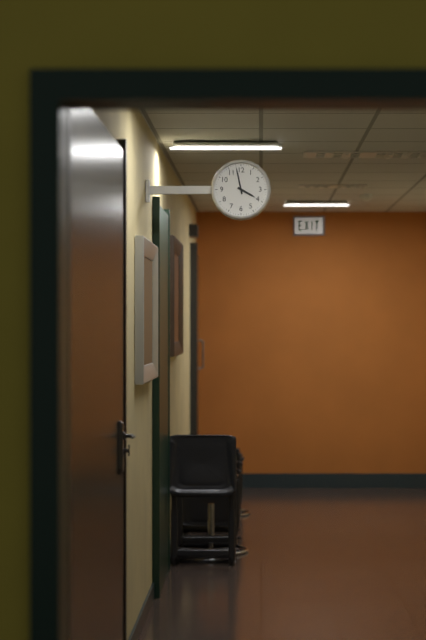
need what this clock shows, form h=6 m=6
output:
h=3 m=58
